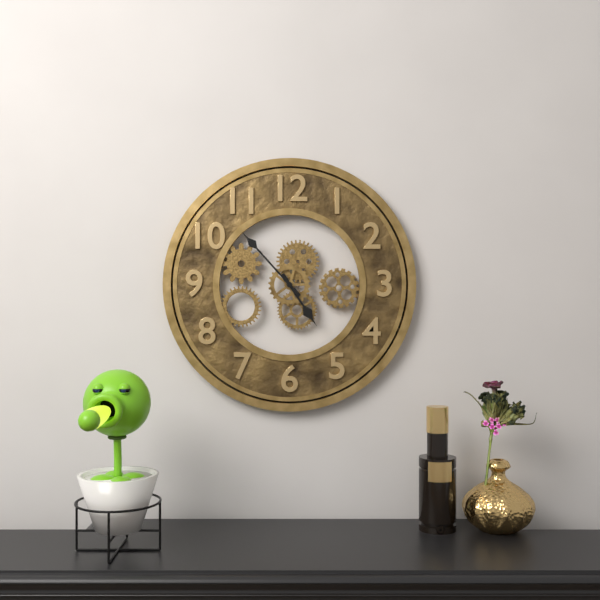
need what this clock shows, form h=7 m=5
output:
h=4 m=53
